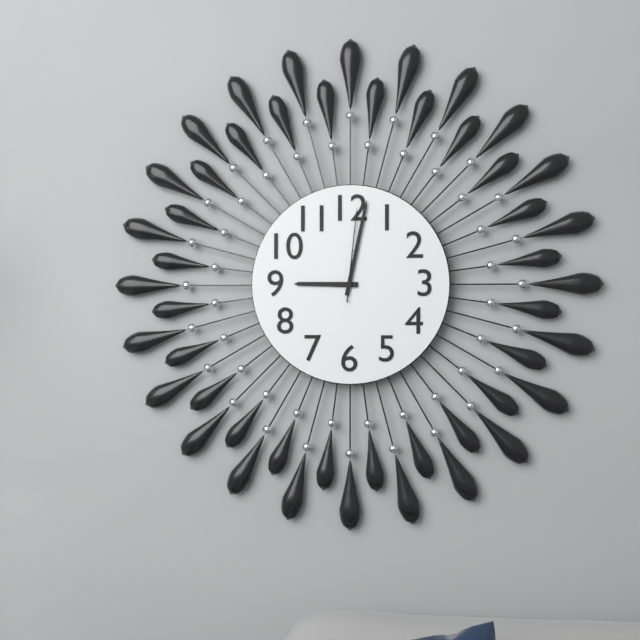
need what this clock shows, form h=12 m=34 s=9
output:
h=9 m=2 s=1
